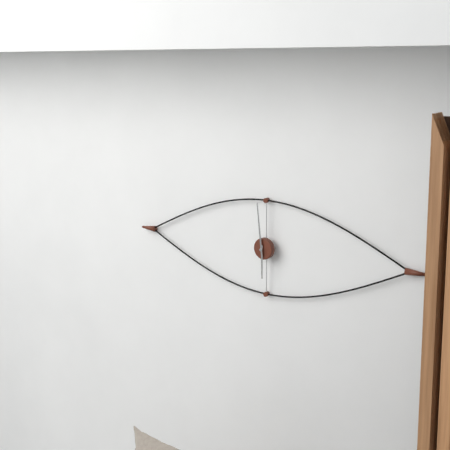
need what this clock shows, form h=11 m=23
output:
h=5 m=59
